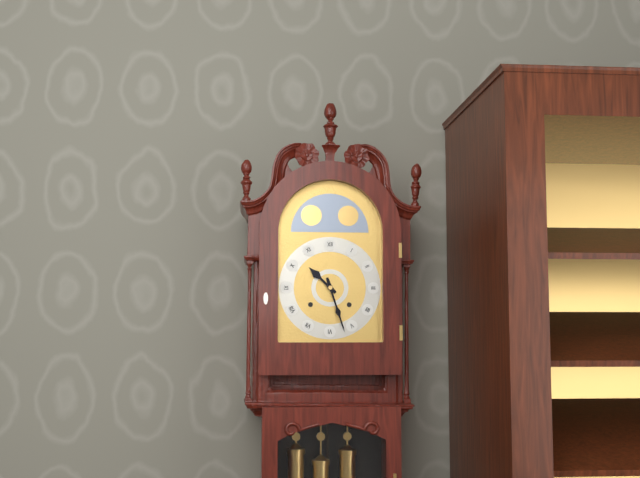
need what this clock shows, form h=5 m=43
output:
h=10 m=27
